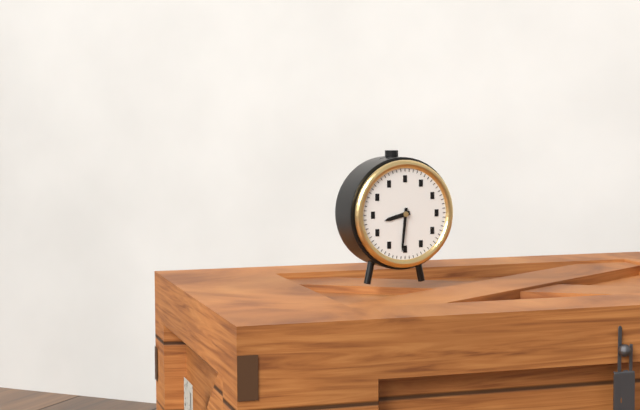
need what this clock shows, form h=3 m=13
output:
h=8 m=31
